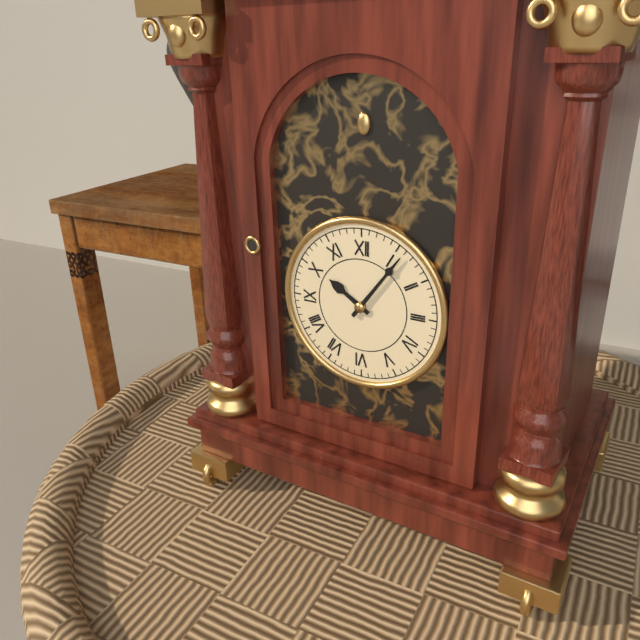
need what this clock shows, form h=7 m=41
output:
h=10 m=6
